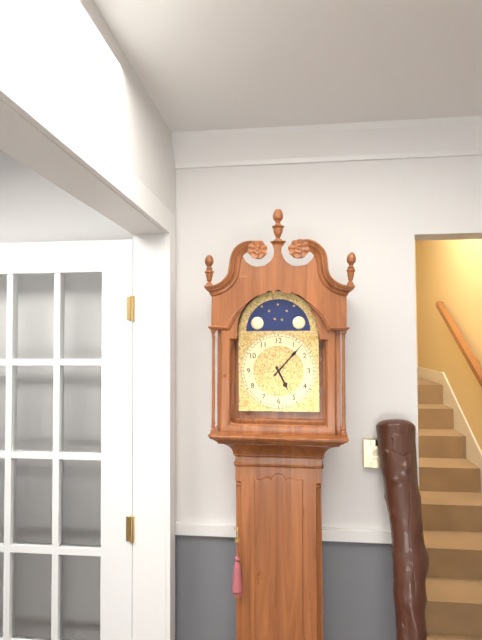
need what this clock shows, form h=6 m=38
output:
h=5 m=7
